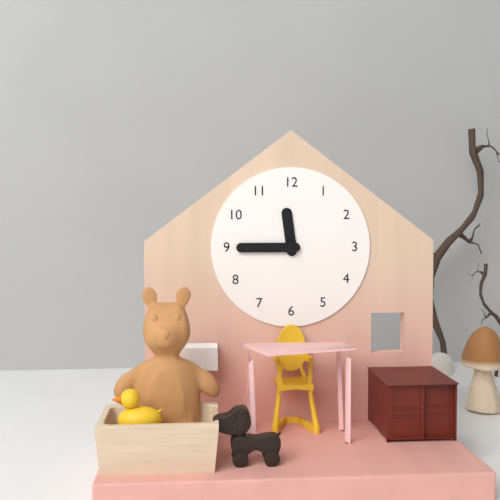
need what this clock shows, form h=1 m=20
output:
h=11 m=45
